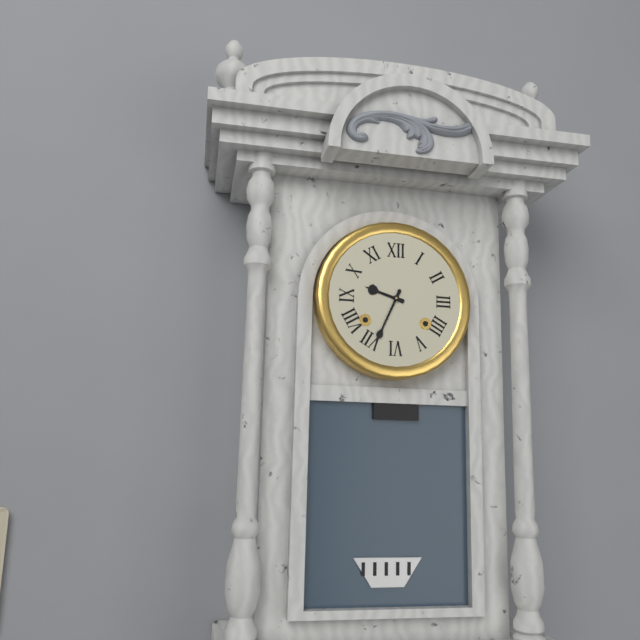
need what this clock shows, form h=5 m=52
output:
h=9 m=34
